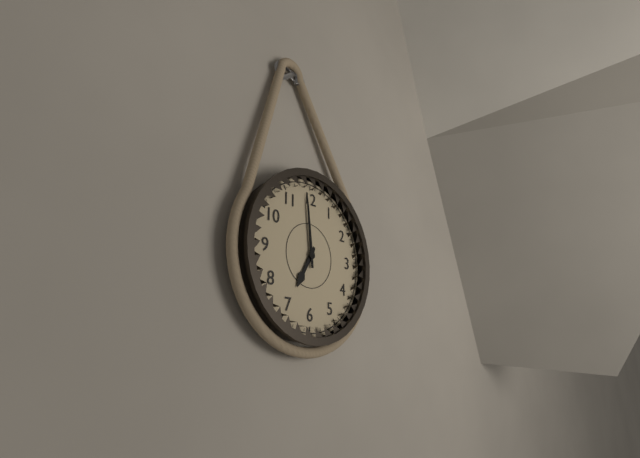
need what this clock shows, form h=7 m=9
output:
h=6 m=59
